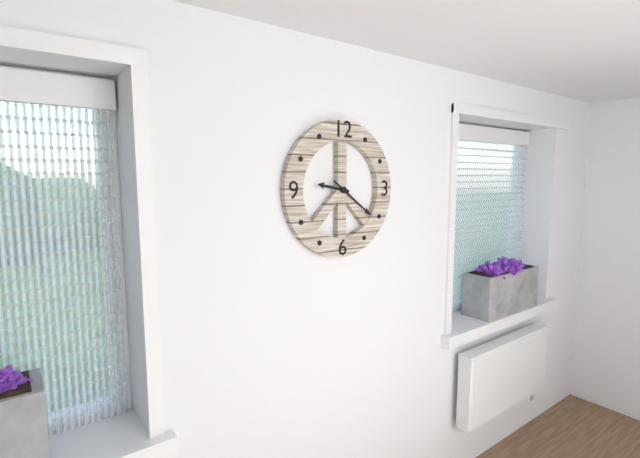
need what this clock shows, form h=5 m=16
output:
h=9 m=21
